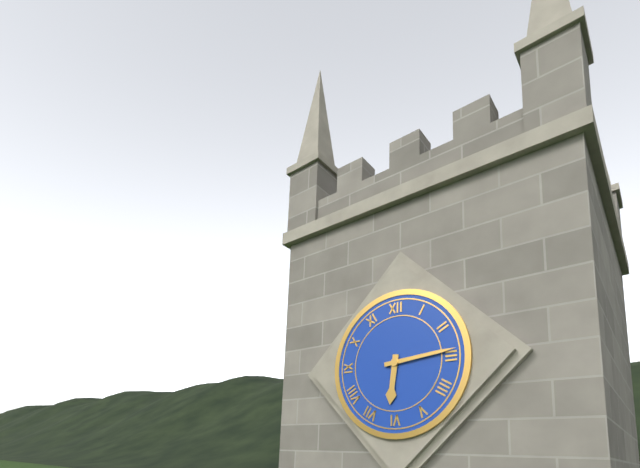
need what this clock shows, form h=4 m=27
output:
h=6 m=14
